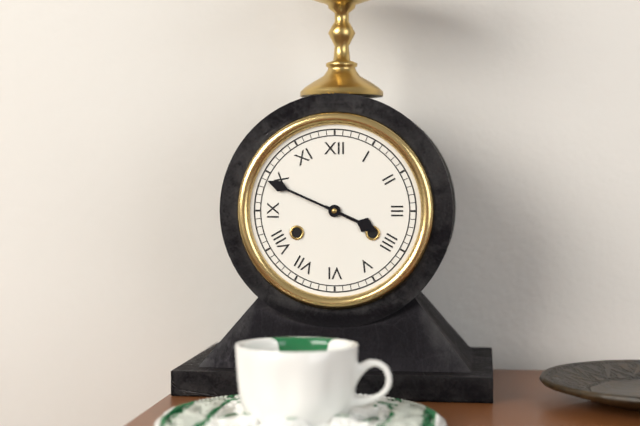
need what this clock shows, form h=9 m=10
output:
h=3 m=49
